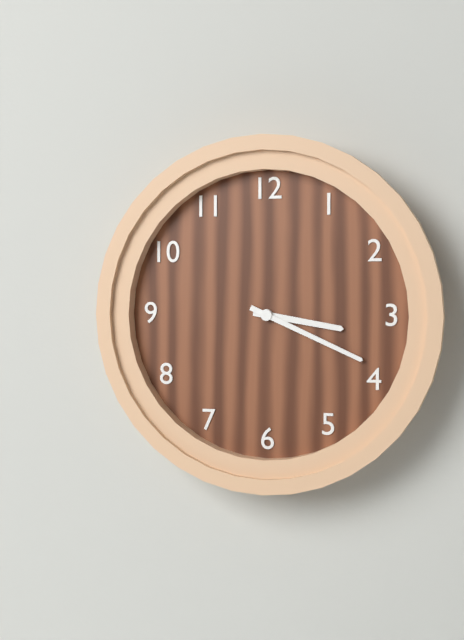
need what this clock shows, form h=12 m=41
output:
h=3 m=19
